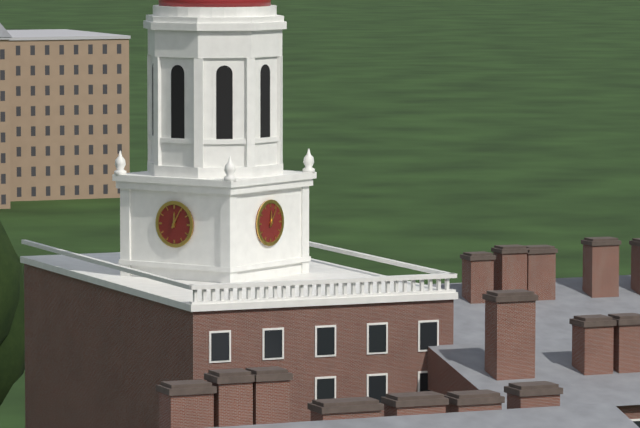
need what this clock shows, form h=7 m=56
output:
h=12 m=5
